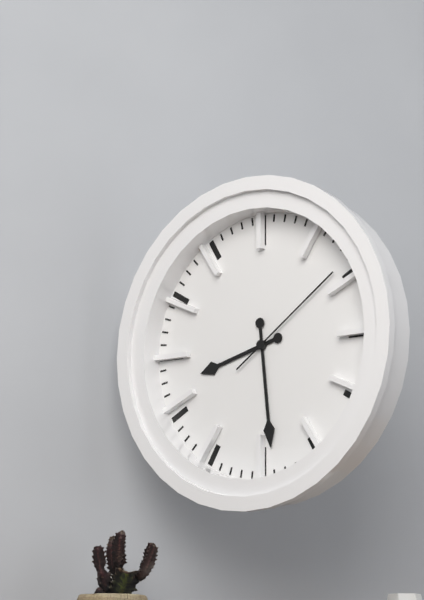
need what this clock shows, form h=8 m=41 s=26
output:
h=8 m=29 s=9
